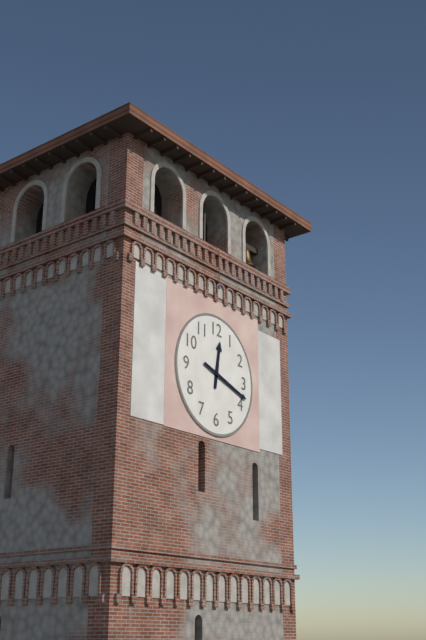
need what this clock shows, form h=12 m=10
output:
h=12 m=18
